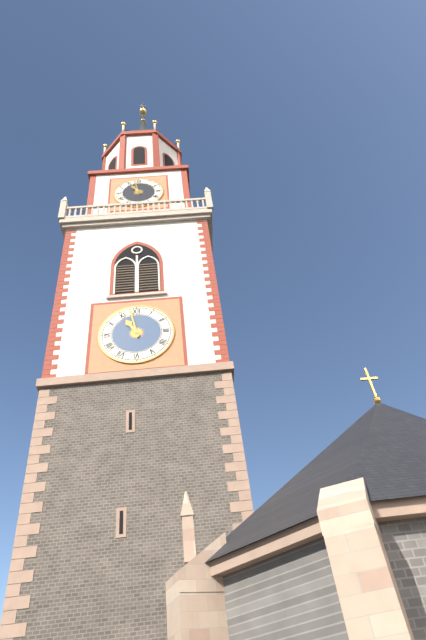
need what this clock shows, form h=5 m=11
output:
h=10 m=58
